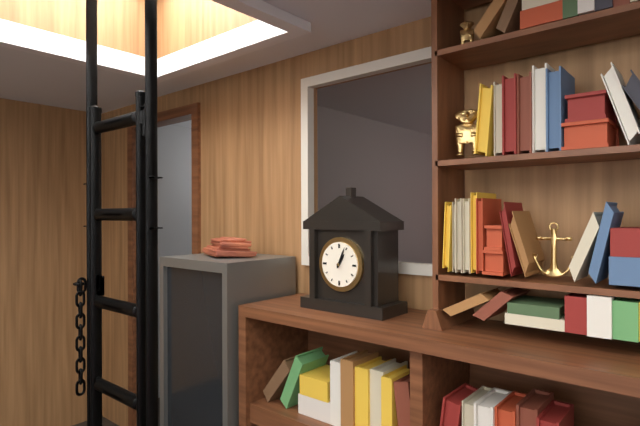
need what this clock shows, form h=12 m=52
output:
h=1 m=4
